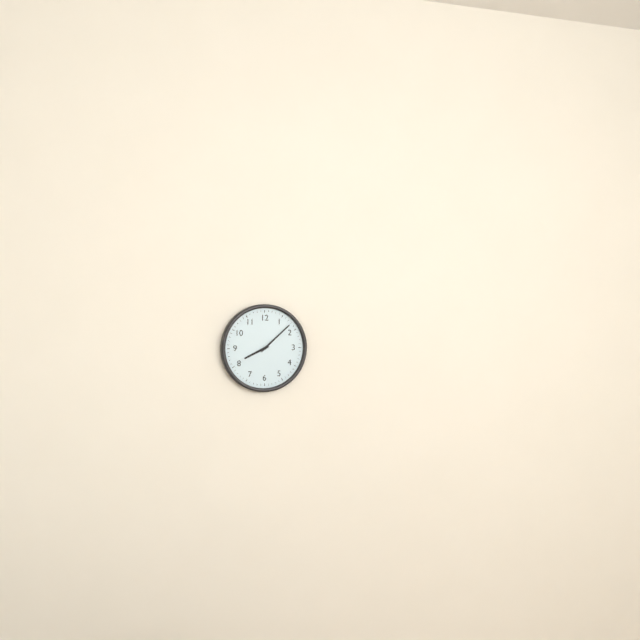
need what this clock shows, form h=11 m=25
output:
h=8 m=8
